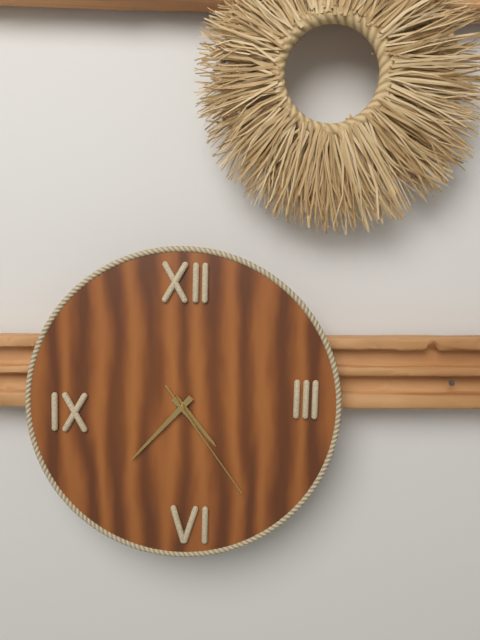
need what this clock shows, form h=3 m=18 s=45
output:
h=4 m=37 s=24
